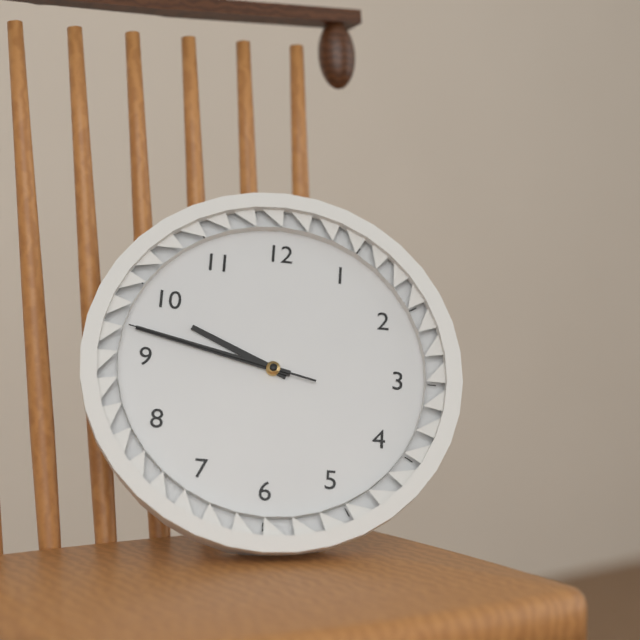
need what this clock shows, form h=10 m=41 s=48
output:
h=9 m=47 s=47
